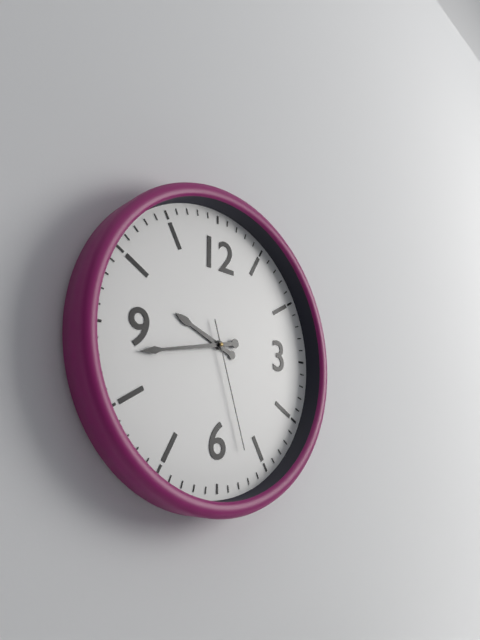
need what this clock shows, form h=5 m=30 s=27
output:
h=9 m=43 s=27
